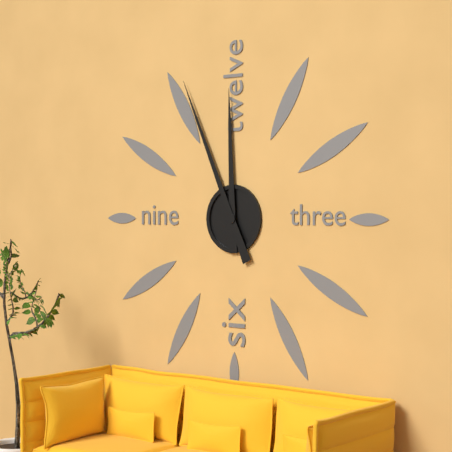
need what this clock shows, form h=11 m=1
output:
h=11 m=56
